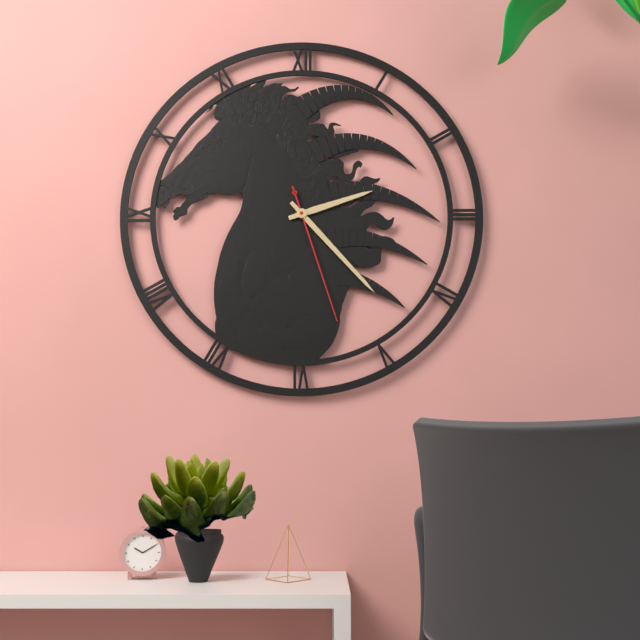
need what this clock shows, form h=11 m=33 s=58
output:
h=2 m=23 s=27
